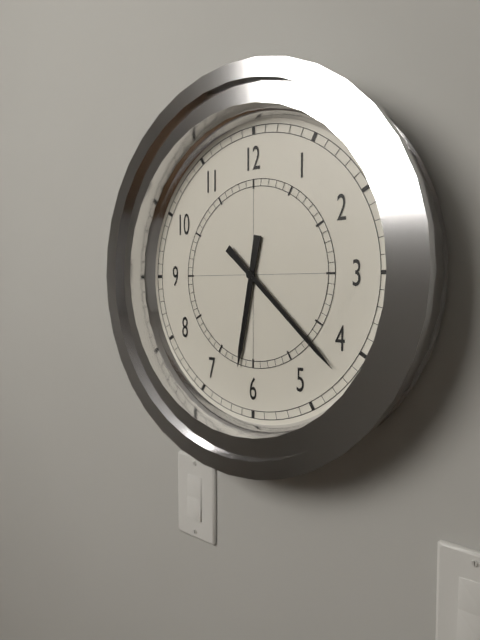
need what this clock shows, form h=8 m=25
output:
h=6 m=22
